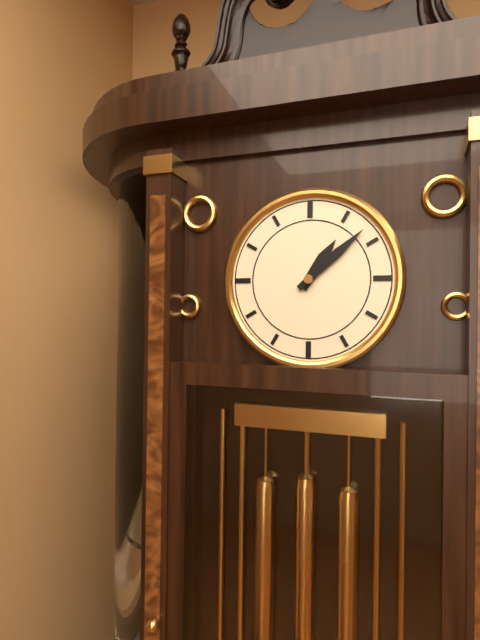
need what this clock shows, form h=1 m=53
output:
h=1 m=8
